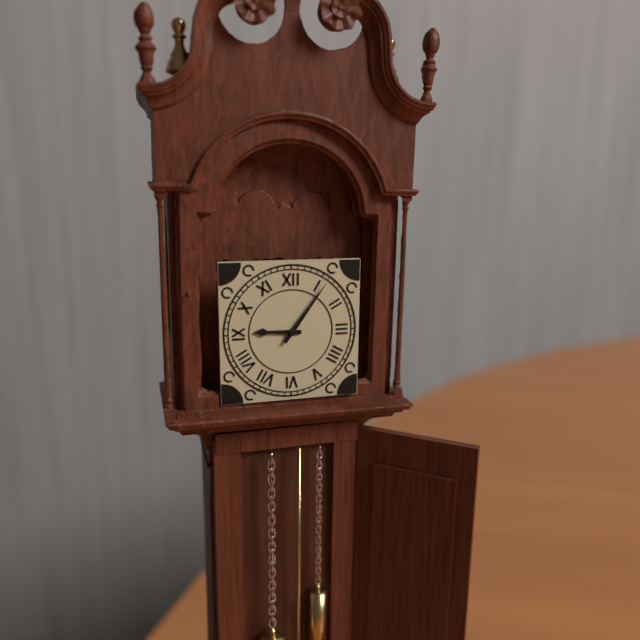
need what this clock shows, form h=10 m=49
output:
h=9 m=6
